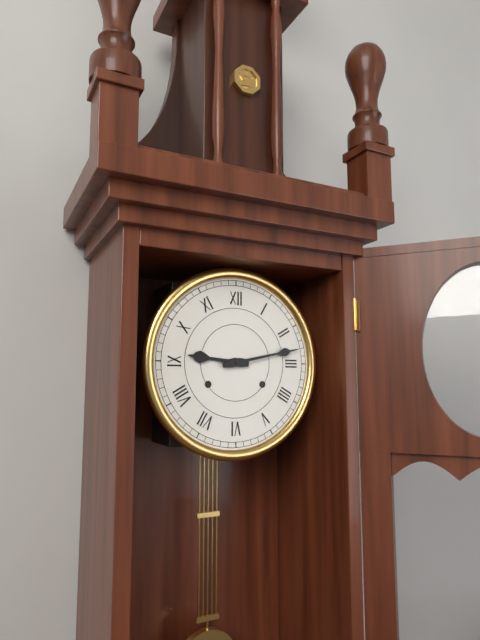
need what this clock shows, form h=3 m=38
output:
h=9 m=13
